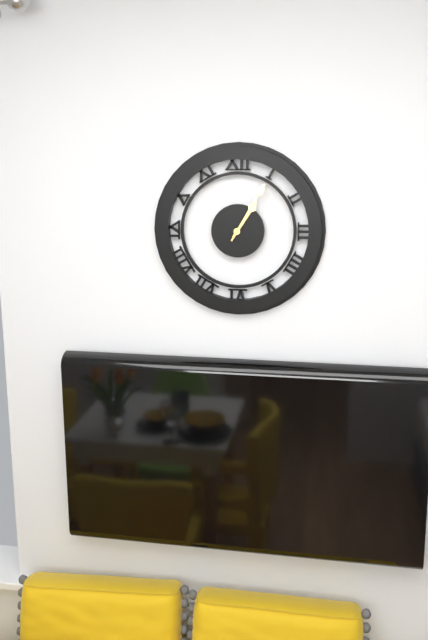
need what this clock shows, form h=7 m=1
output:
h=1 m=5
